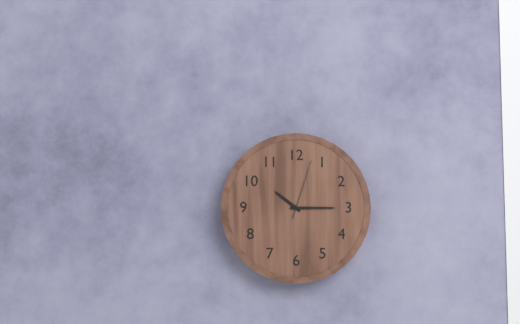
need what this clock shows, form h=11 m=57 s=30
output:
h=10 m=15 s=3
